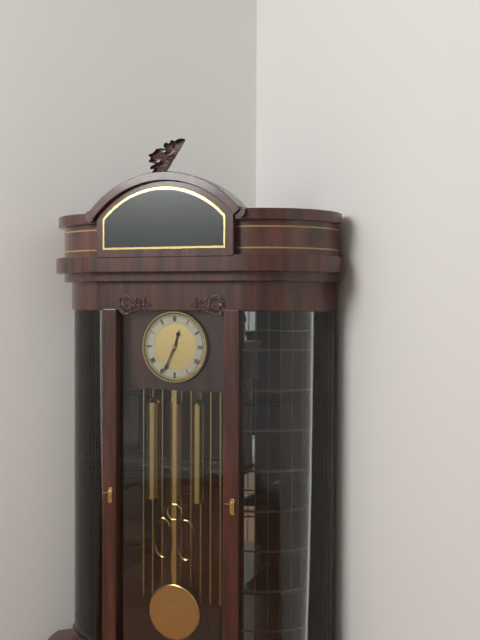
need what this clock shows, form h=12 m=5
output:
h=12 m=34
